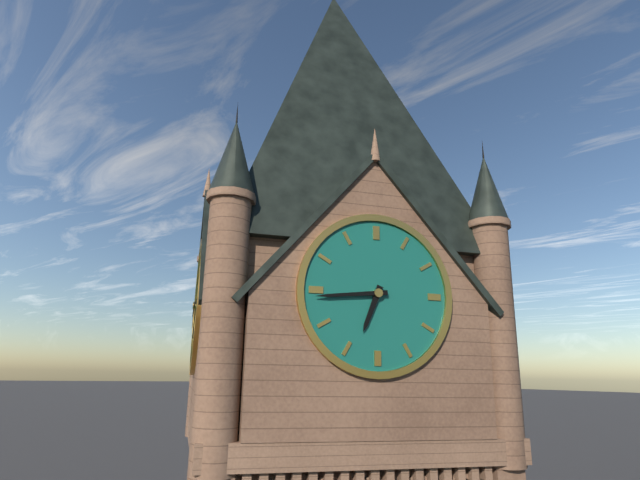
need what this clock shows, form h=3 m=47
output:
h=6 m=44
